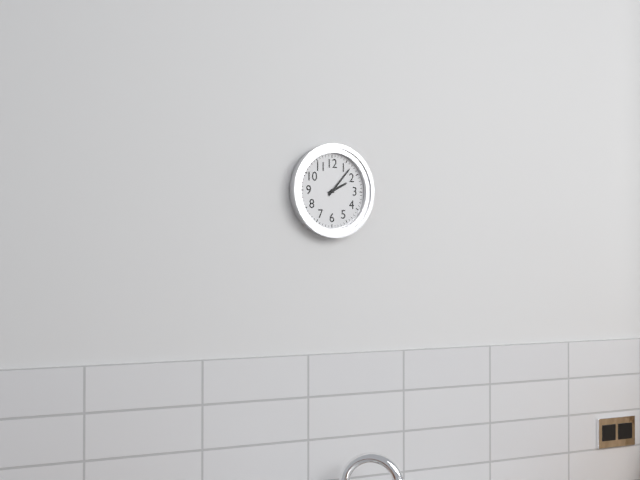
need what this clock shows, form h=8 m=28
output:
h=2 m=7
